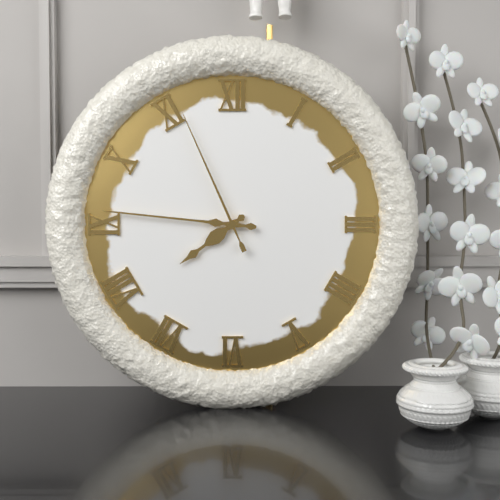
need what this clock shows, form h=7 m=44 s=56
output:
h=7 m=46 s=56
